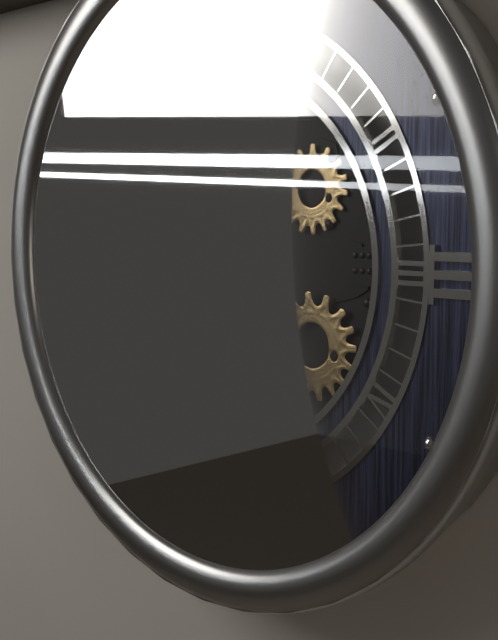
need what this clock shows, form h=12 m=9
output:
h=10 m=53
